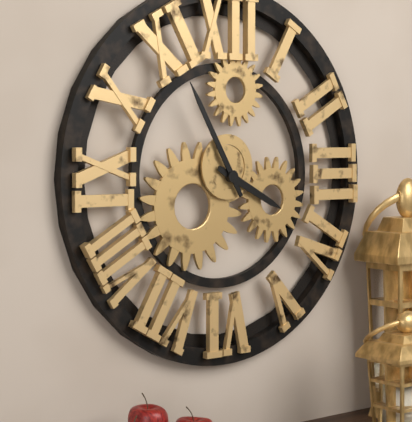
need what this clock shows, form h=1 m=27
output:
h=3 m=55
